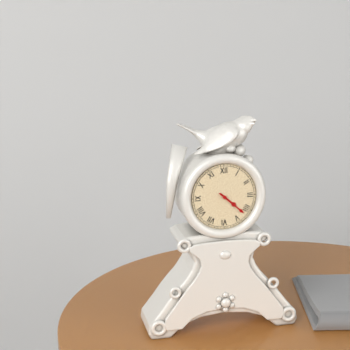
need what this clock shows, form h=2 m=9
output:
h=4 m=22
